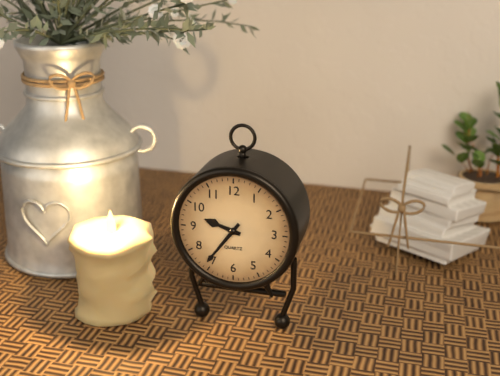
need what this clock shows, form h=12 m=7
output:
h=9 m=36
